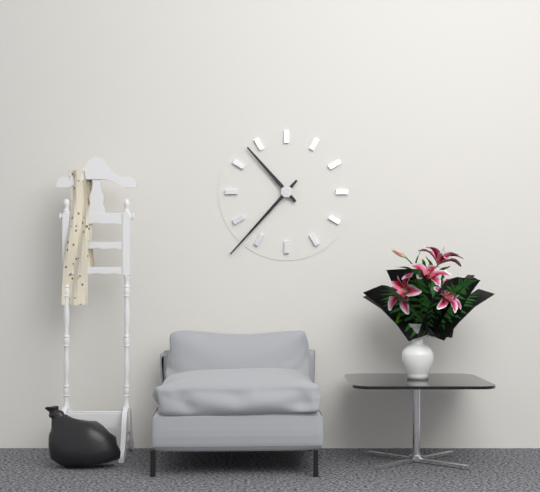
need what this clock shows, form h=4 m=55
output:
h=10 m=37
